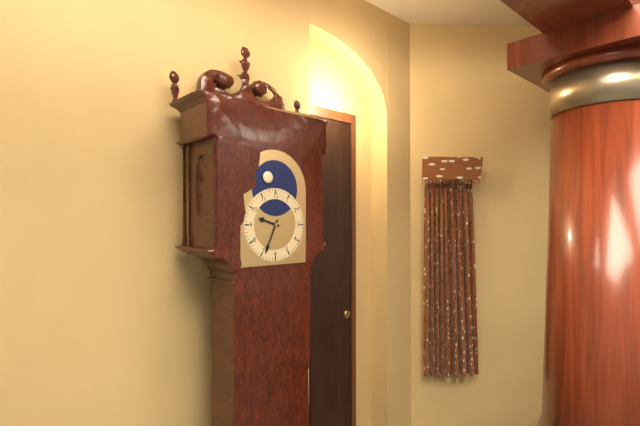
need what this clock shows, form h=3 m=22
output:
h=9 m=34
